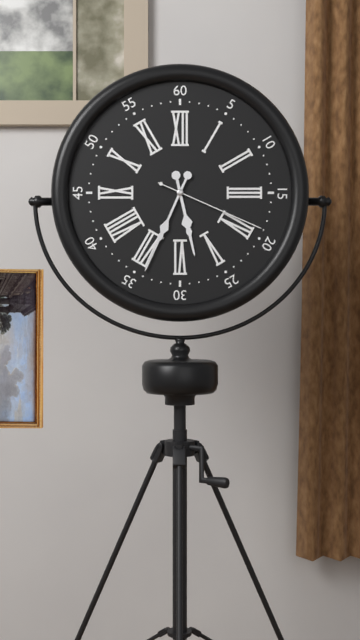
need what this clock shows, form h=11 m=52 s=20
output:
h=5 m=34 s=19
